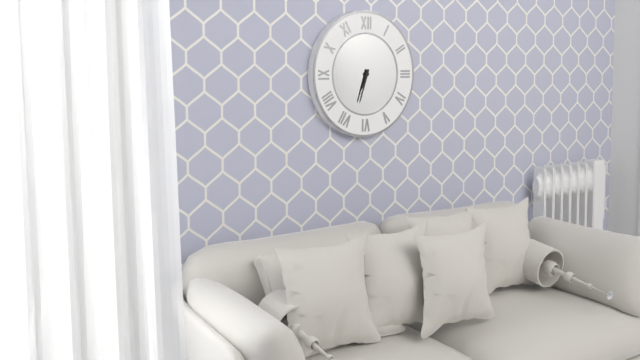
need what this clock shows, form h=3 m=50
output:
h=6 m=33
